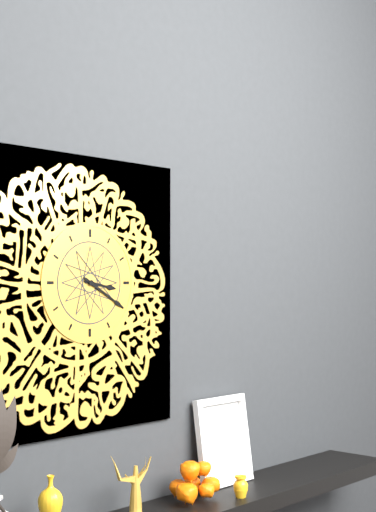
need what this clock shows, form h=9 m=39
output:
h=3 m=20
